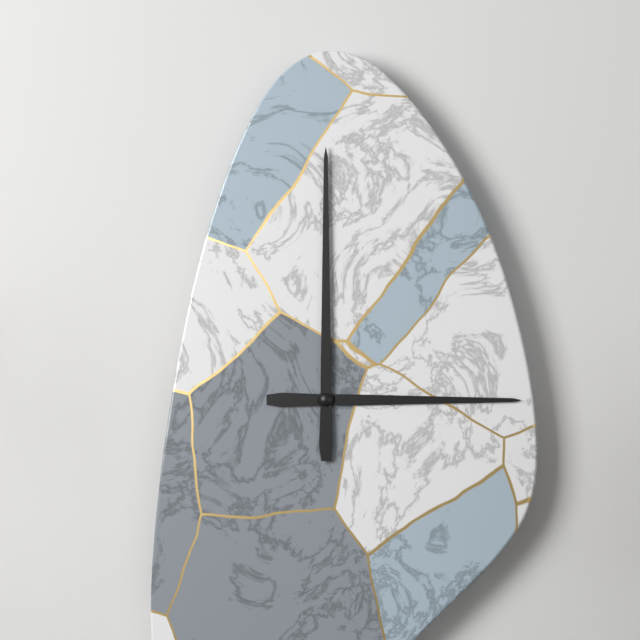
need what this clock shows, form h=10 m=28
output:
h=3 m=0
